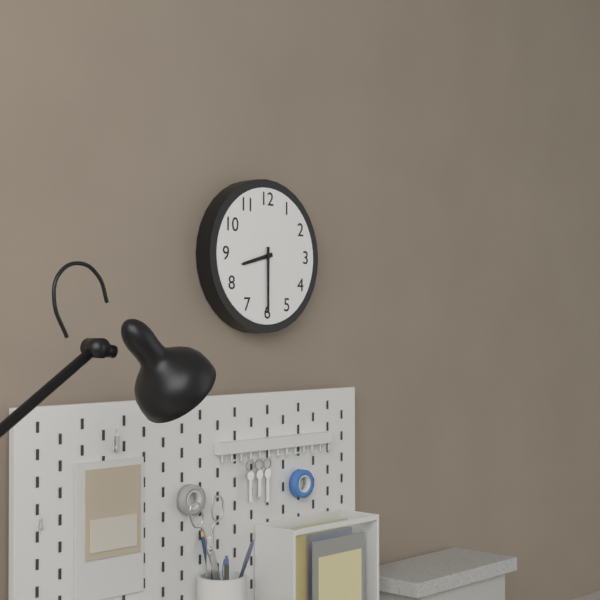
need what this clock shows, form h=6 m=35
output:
h=8 m=30
